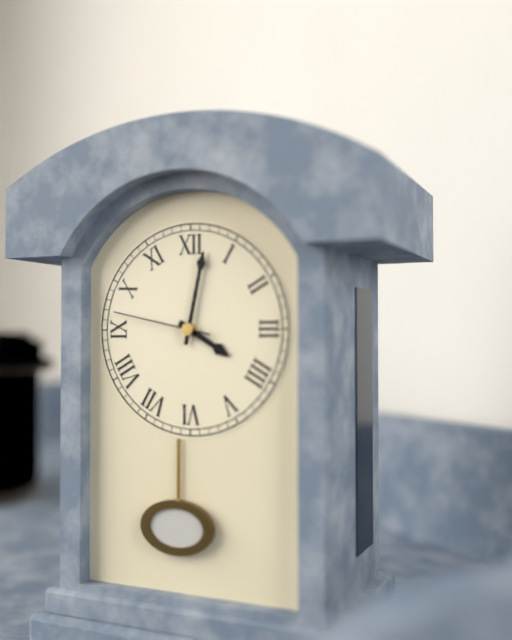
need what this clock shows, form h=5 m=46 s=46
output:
h=4 m=2 s=47
